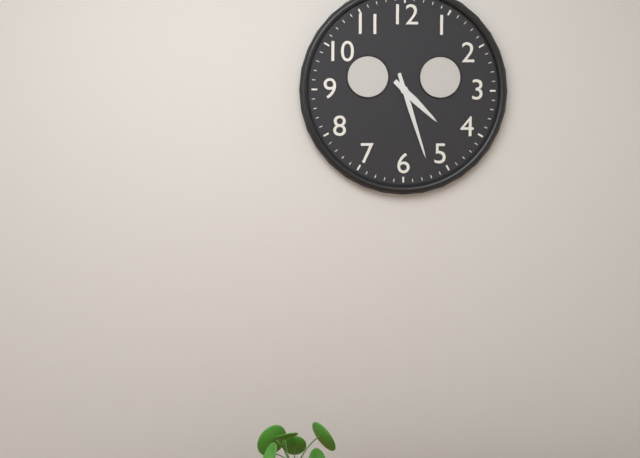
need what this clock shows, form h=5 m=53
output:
h=4 m=27
